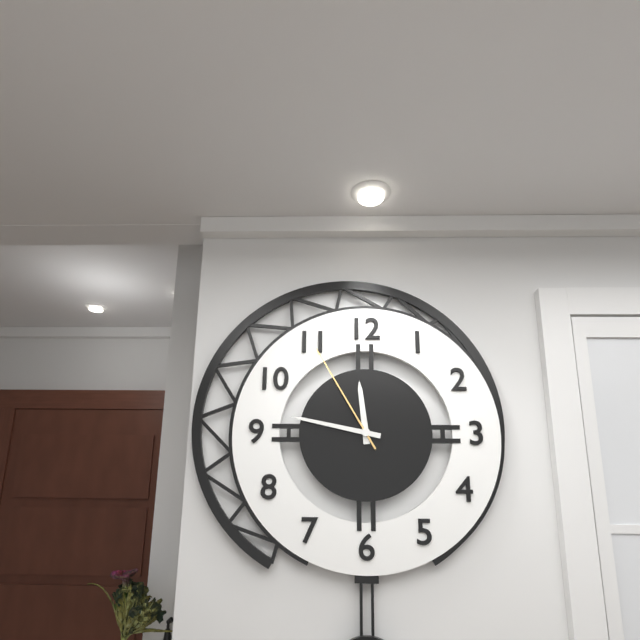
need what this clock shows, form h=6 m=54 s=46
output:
h=11 m=47 s=55
